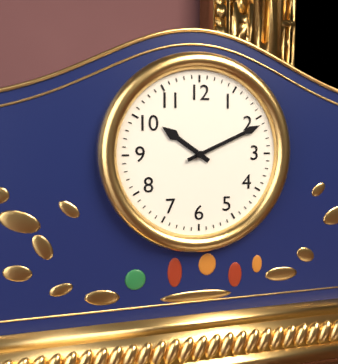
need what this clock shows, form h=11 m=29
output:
h=10 m=11
